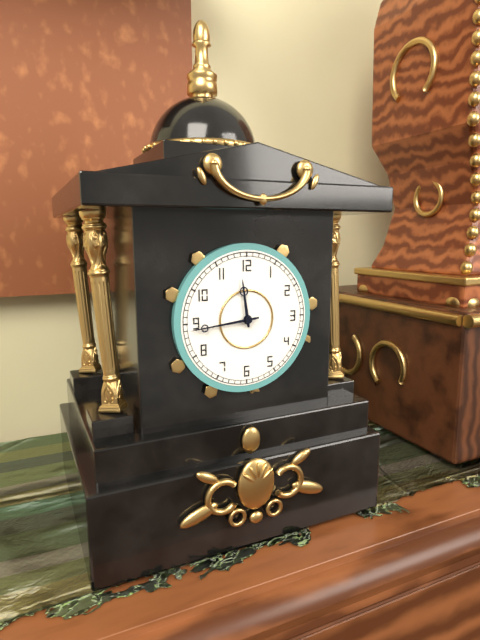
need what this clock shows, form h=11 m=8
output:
h=11 m=44
